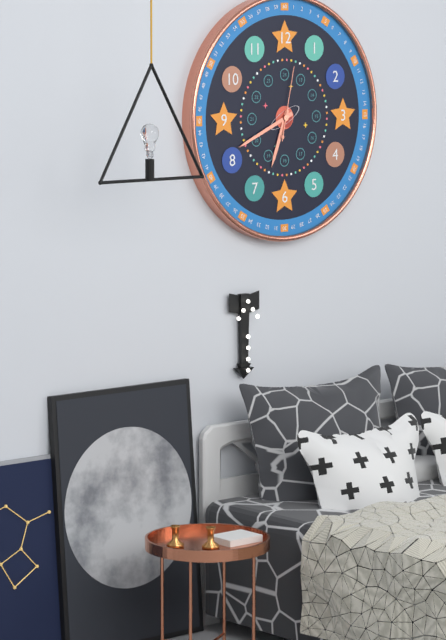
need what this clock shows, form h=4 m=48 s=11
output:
h=6 m=41 s=2
